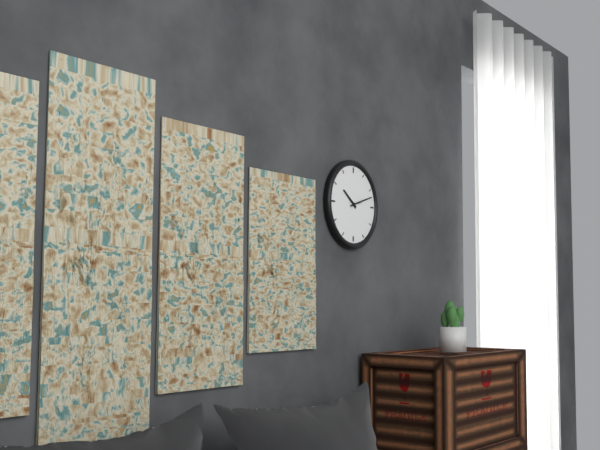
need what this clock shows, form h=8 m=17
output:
h=10 m=12
